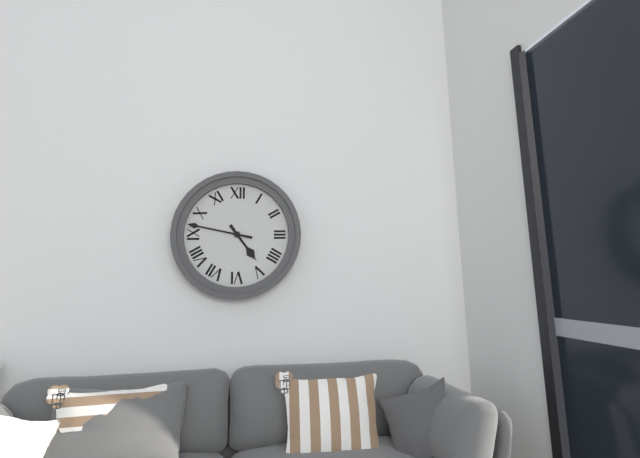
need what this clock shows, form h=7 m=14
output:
h=4 m=47
